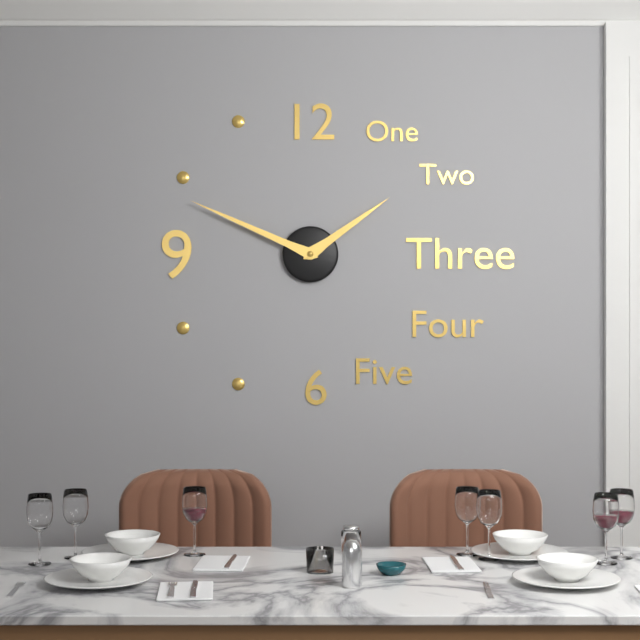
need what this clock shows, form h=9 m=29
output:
h=1 m=49
